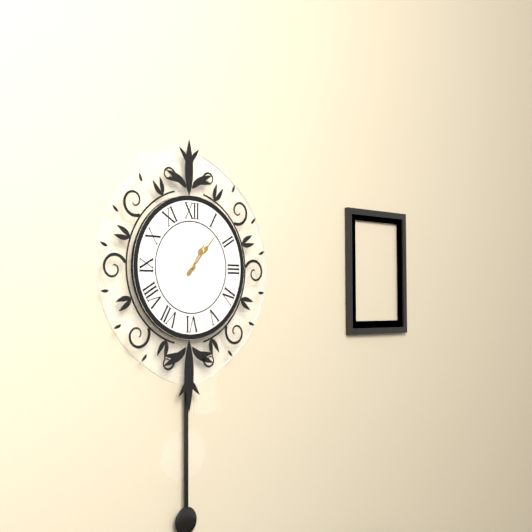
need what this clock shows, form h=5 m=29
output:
h=1 m=7
